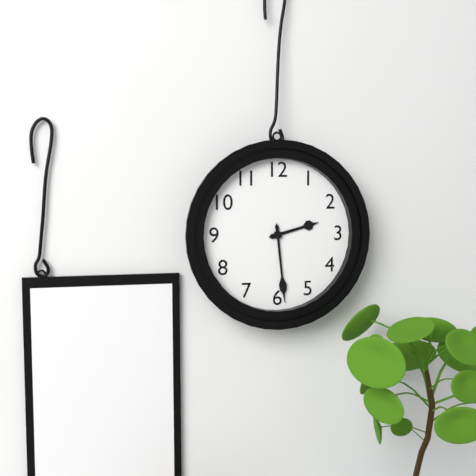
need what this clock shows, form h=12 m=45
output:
h=2 m=29
